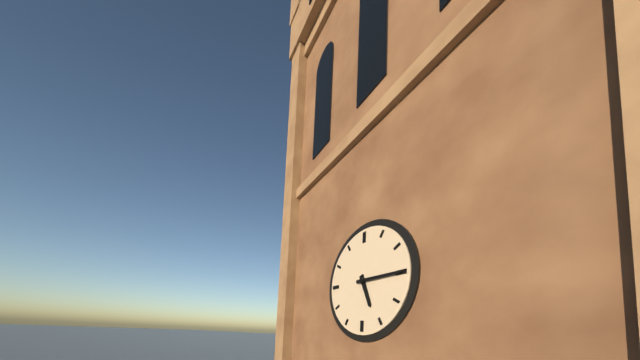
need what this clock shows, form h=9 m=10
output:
h=5 m=15
